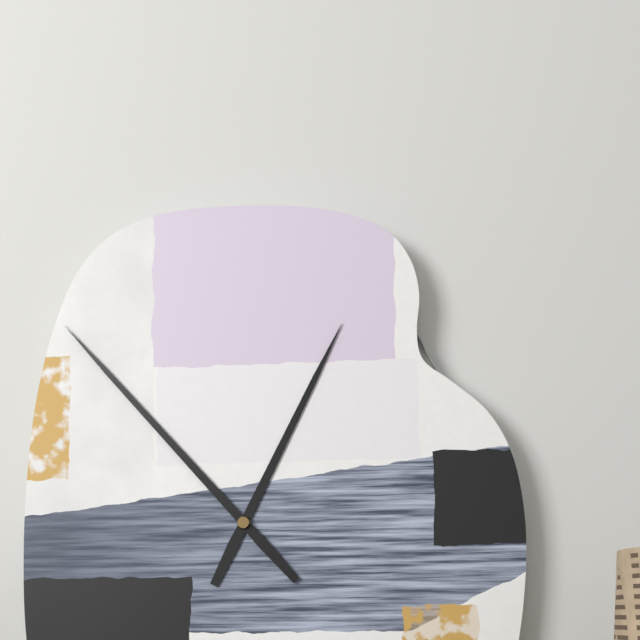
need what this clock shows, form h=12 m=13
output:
h=12 m=53
